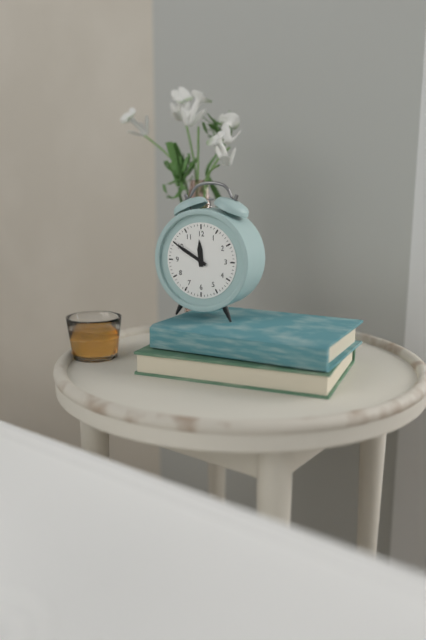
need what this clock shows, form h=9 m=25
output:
h=11 m=50
